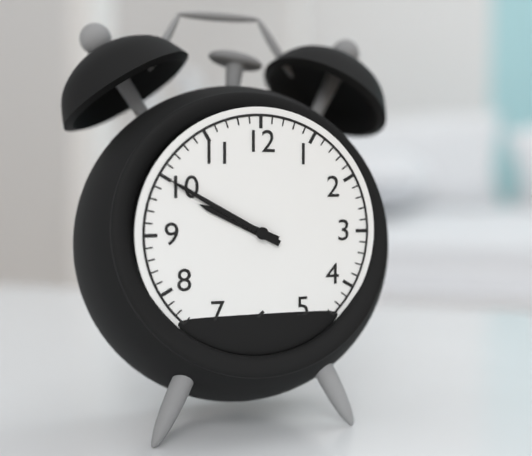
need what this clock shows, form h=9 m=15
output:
h=9 m=50
